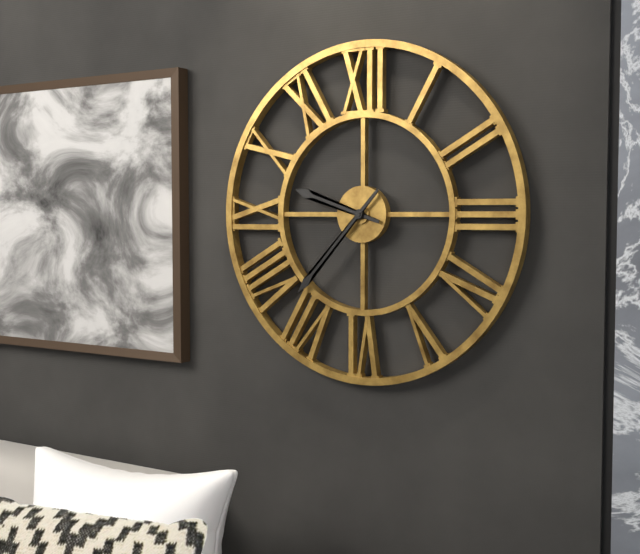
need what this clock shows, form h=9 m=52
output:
h=9 m=37
